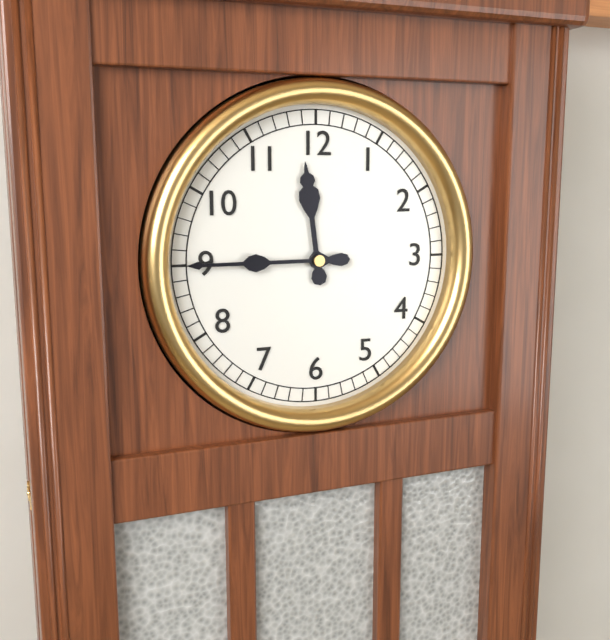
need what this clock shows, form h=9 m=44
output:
h=11 m=45
